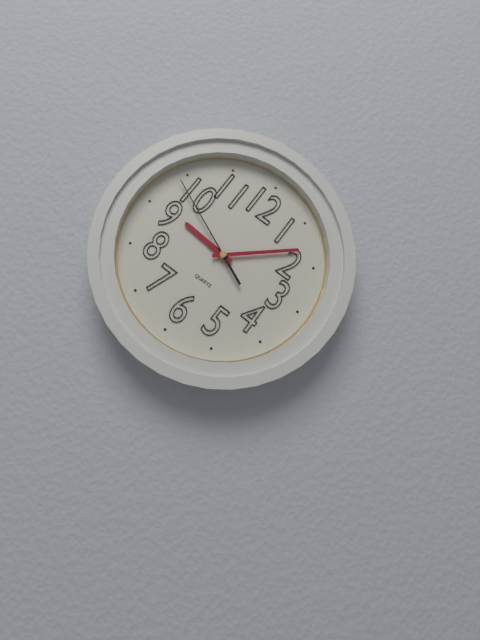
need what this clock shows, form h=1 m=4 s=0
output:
h=9 m=8 s=49
